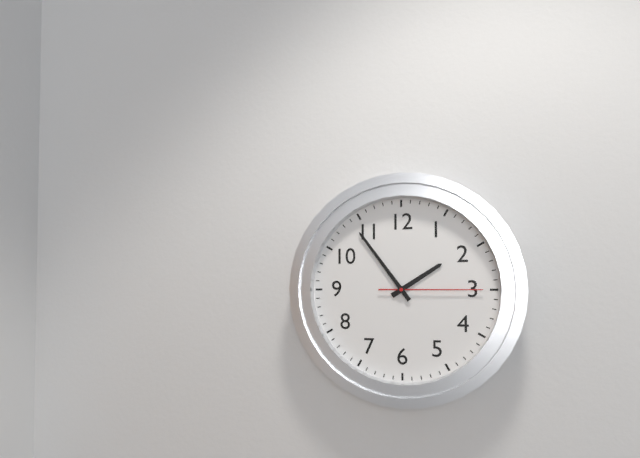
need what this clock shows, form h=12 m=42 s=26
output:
h=1 m=54 s=15
